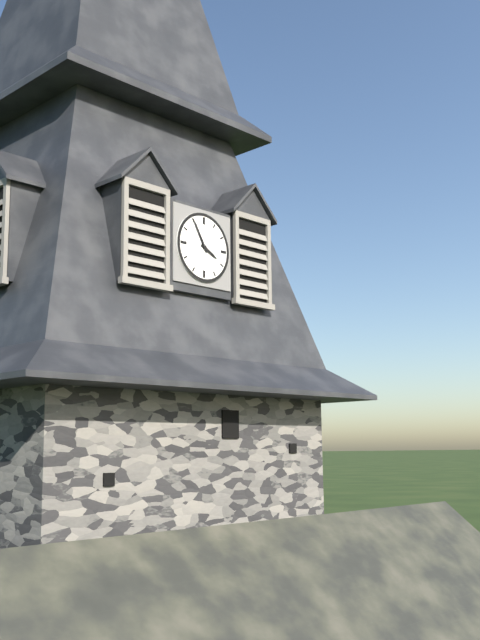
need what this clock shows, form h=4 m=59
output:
h=3 m=55
